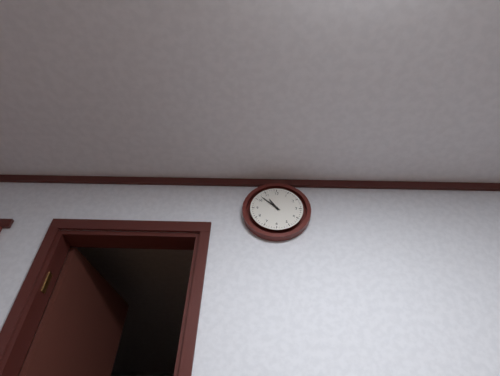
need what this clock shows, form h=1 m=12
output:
h=10 m=52
